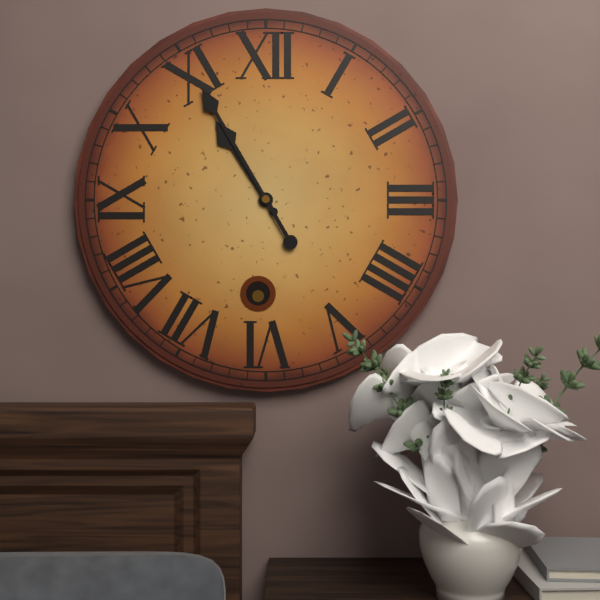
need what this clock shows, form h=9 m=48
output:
h=10 m=55
